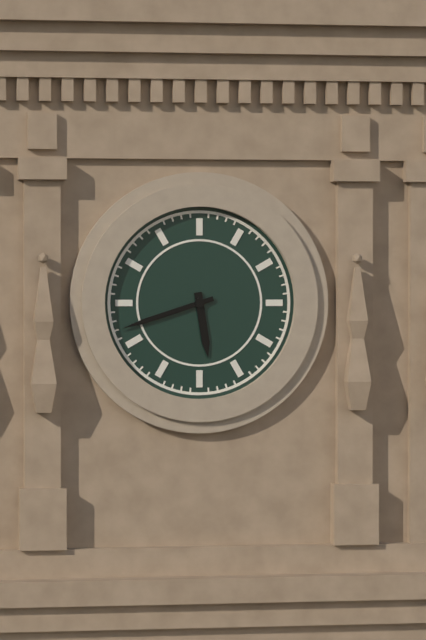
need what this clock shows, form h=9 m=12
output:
h=5 m=42
